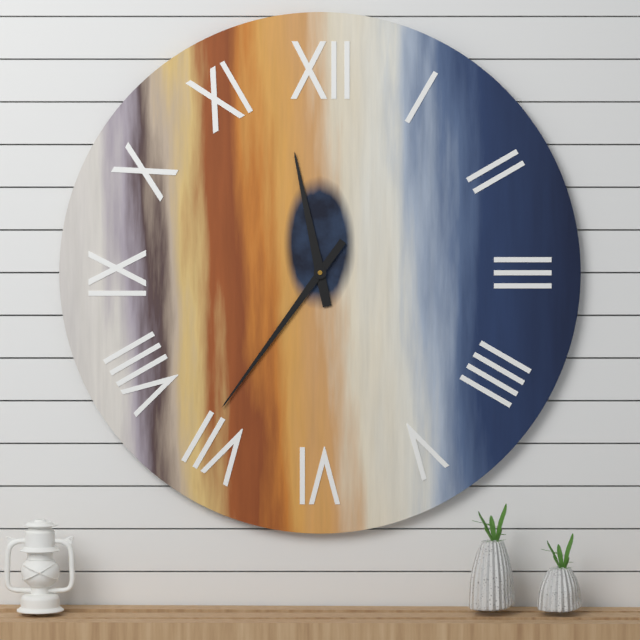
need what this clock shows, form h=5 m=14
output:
h=11 m=36
